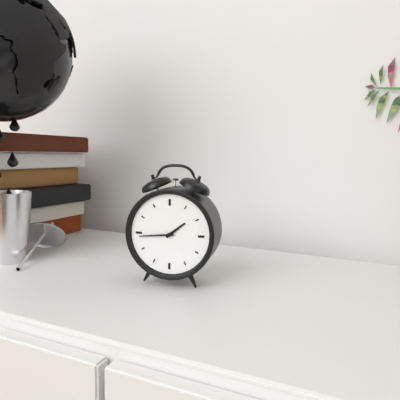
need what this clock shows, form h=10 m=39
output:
h=1 m=44
